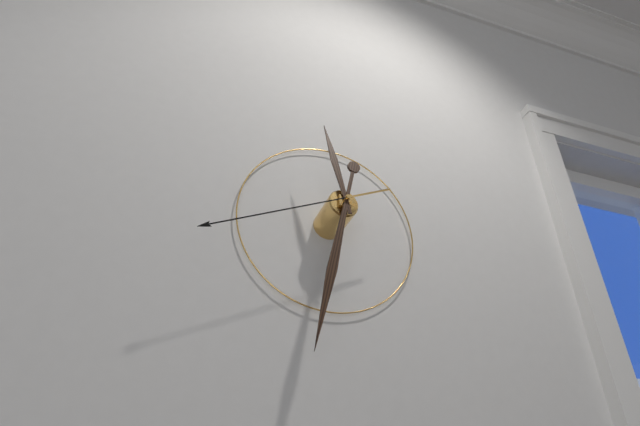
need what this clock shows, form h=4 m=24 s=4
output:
h=11 m=32 s=41
